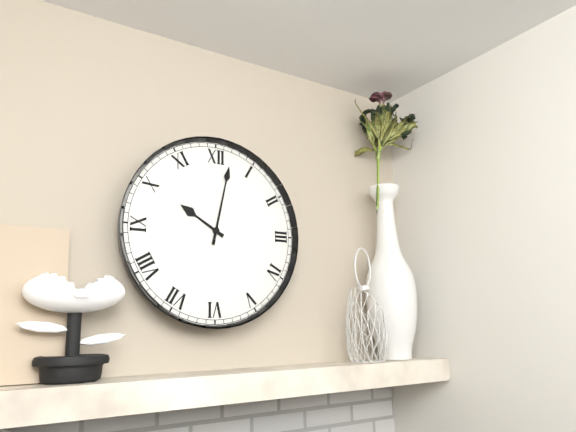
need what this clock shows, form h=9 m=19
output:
h=10 m=2
